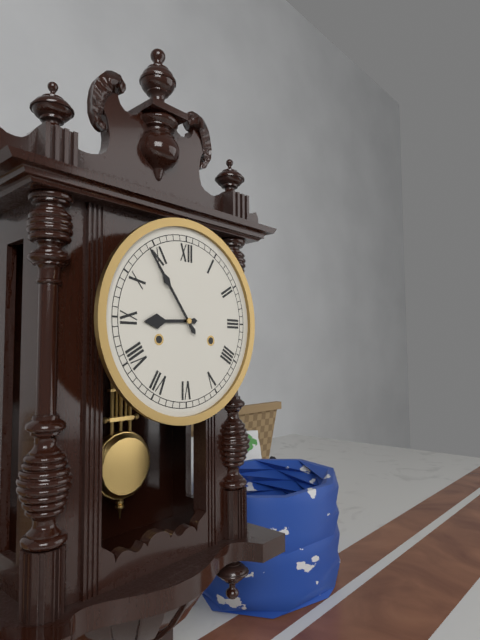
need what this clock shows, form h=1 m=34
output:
h=8 m=54
